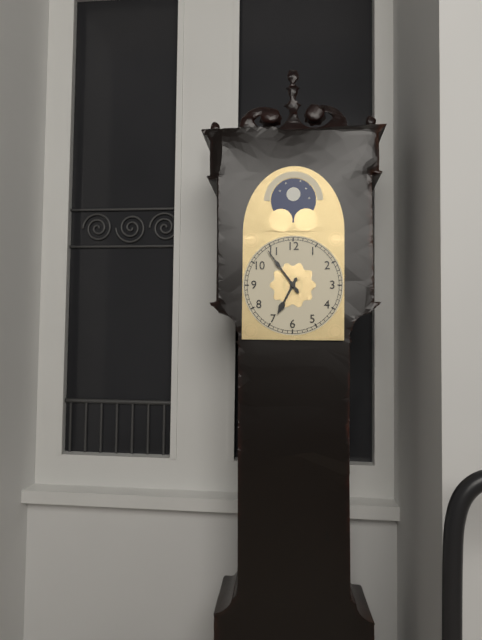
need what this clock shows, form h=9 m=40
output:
h=6 m=54
